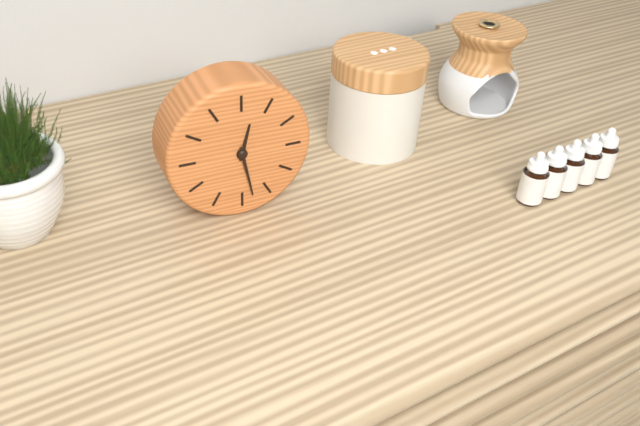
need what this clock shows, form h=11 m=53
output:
h=12 m=28
